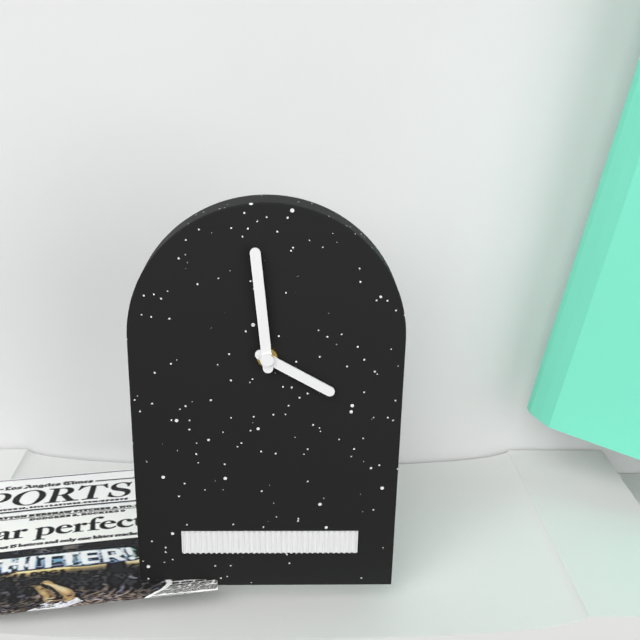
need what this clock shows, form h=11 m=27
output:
h=3 m=59
